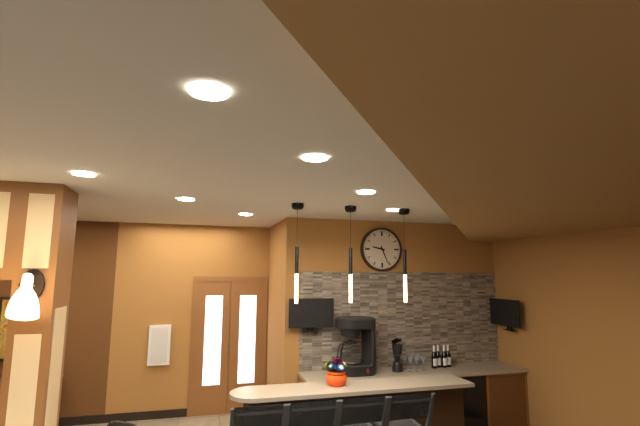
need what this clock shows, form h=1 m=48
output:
h=9 m=26
